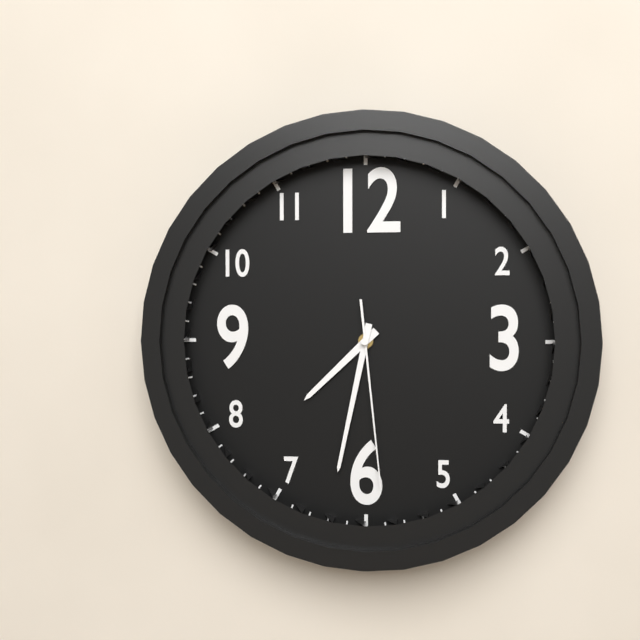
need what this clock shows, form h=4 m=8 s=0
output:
h=7 m=32 s=29
